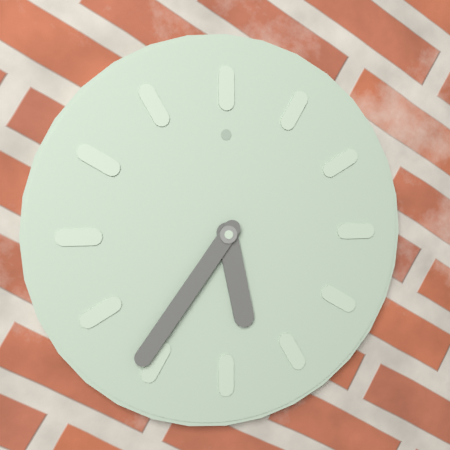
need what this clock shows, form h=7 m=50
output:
h=5 m=36
